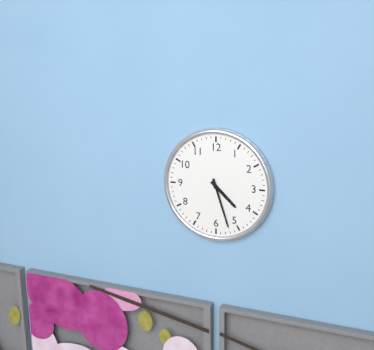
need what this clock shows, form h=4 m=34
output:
h=4 m=27
